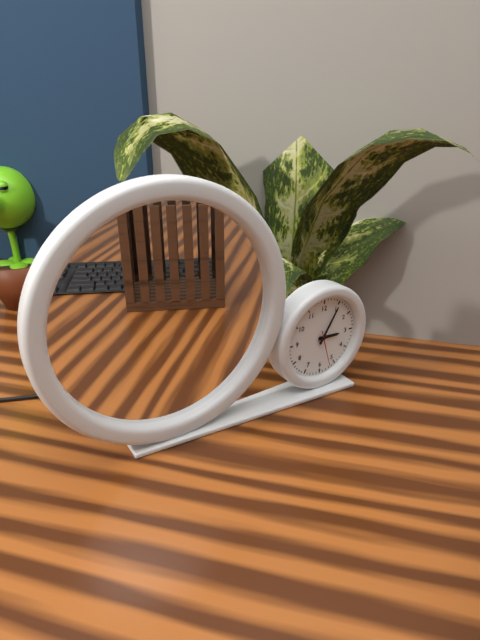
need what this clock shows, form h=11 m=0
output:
h=3 m=5
